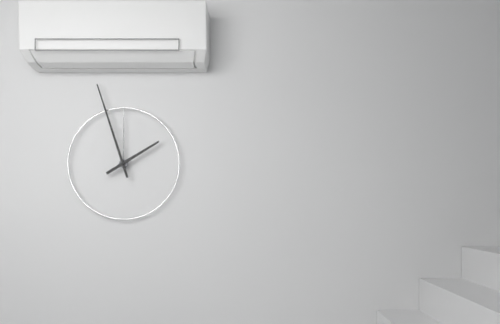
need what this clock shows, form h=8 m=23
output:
h=1 m=57
